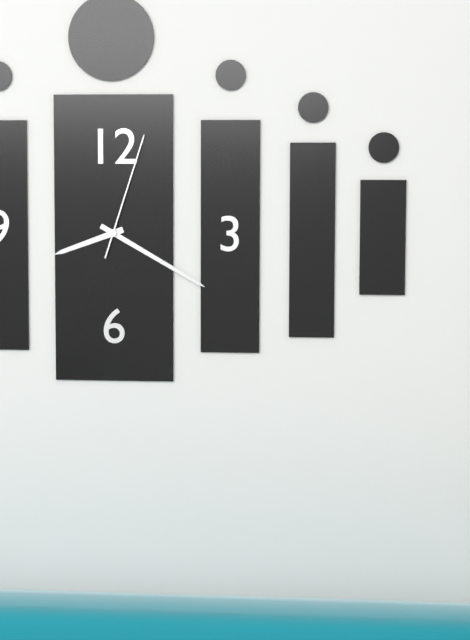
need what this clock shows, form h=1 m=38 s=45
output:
h=8 m=20 s=3
